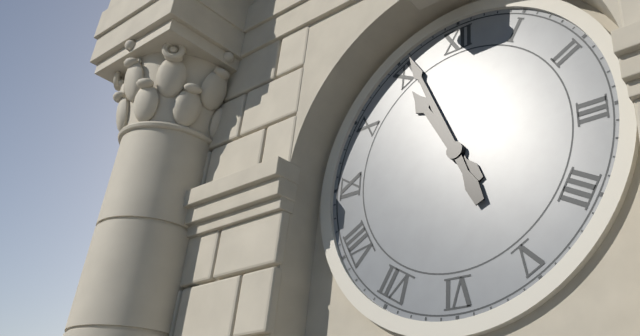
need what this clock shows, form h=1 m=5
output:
h=10 m=56
